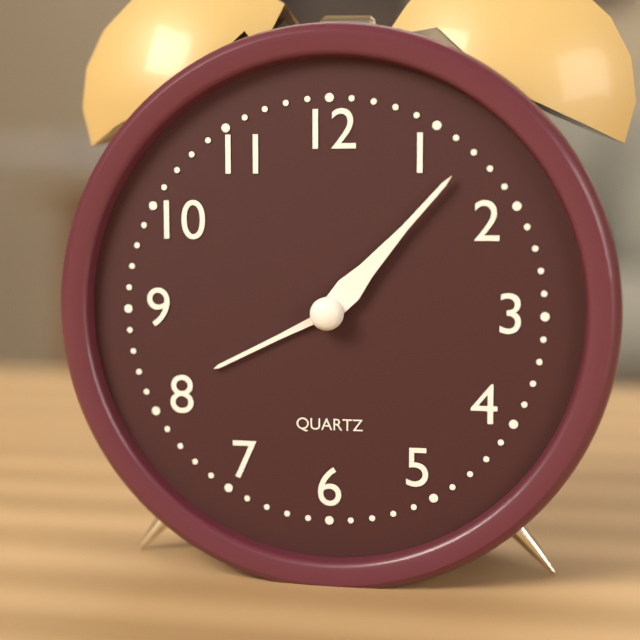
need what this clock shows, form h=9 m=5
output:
h=8 m=7
